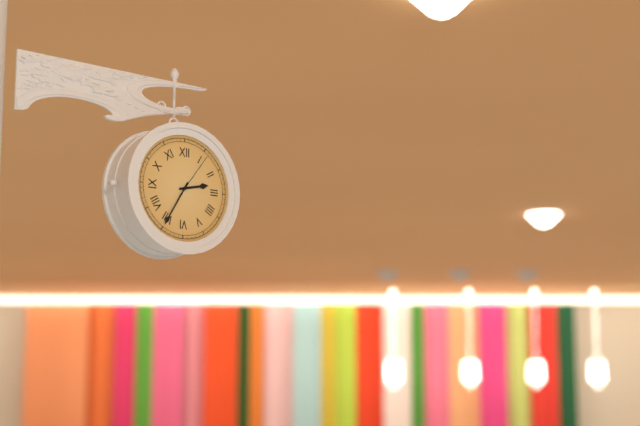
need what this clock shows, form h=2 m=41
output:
h=2 m=35
